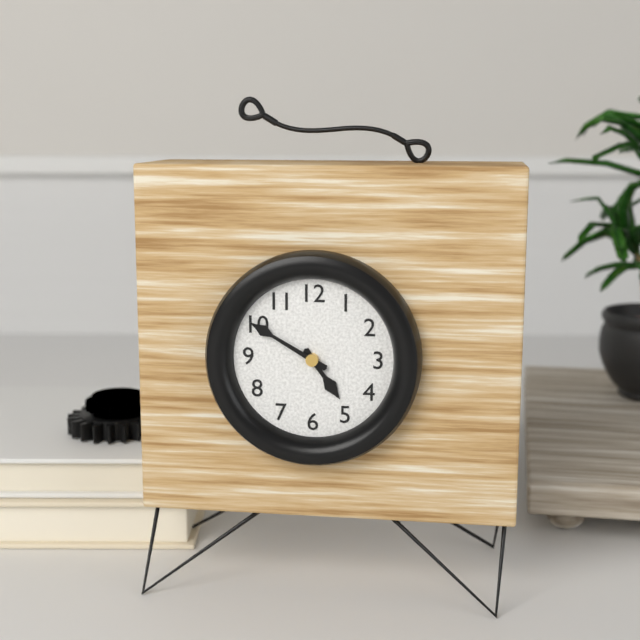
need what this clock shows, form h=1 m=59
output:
h=4 m=50
